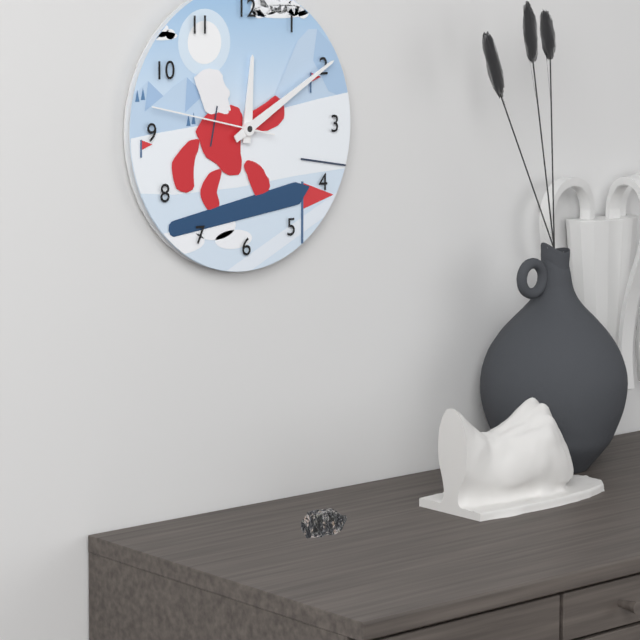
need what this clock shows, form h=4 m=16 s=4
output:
h=12 m=10 s=47
